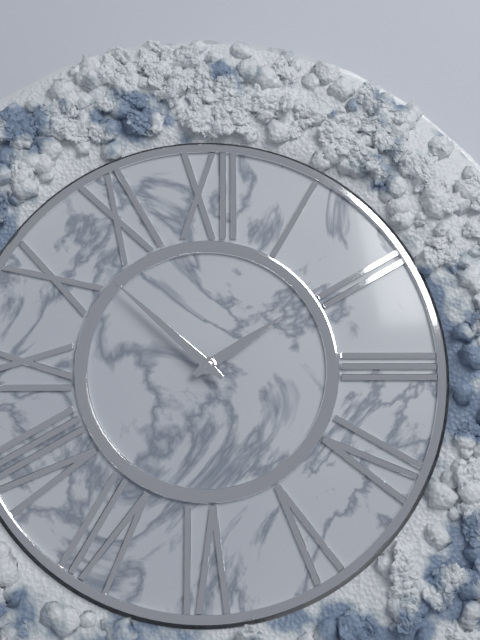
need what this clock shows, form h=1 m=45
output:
h=1 m=52
